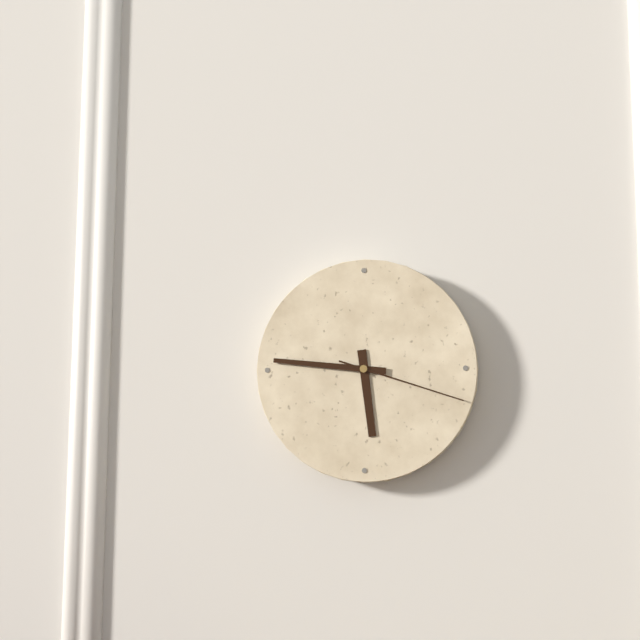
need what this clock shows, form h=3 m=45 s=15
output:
h=5 m=46 s=18
